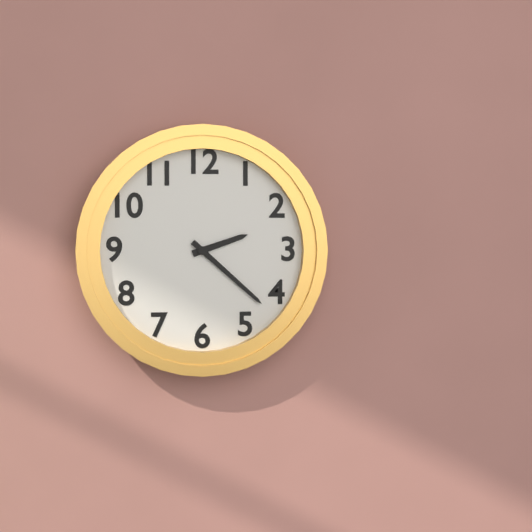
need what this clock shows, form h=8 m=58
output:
h=2 m=22
